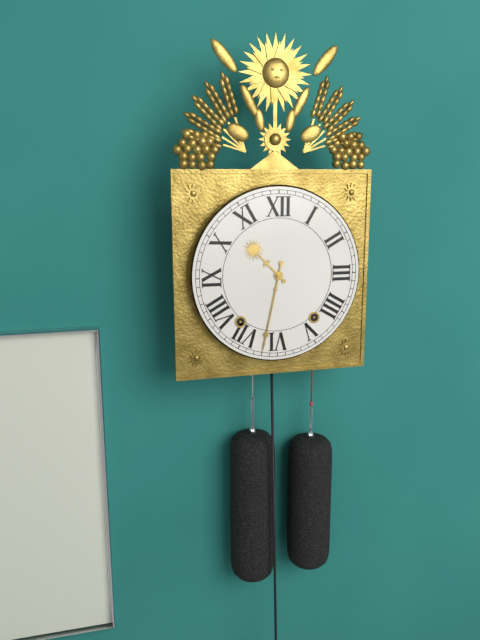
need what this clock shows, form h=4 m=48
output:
h=10 m=32
